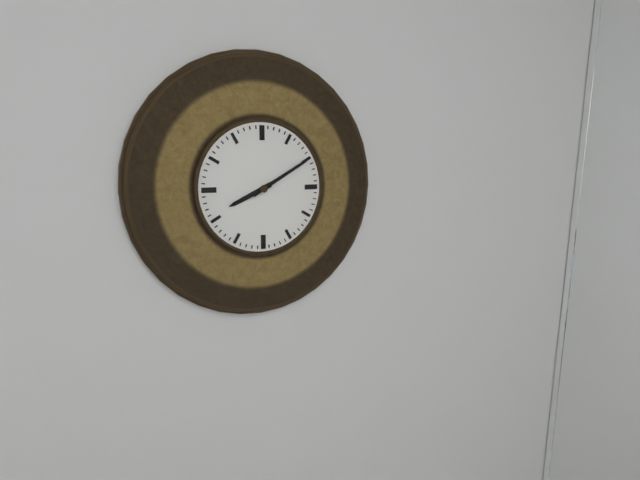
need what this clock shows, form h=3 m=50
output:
h=8 m=10
